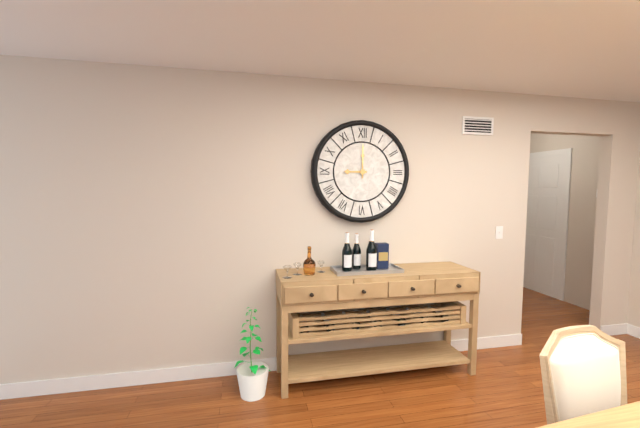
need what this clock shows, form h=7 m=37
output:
h=9 m=0
